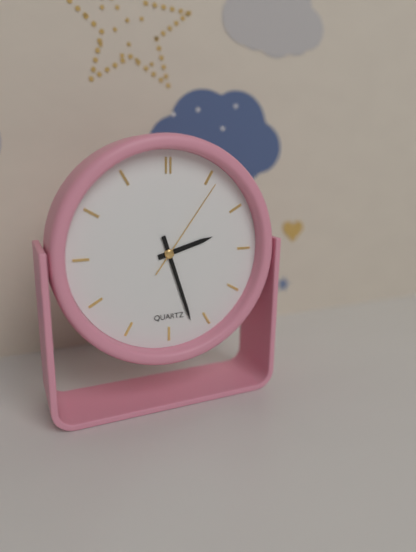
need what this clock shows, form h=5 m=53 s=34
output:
h=2 m=27 s=6
